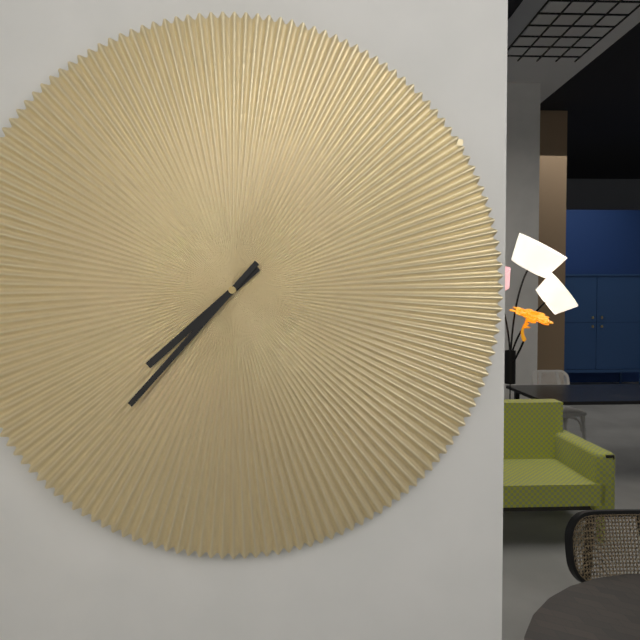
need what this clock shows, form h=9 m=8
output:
h=7 m=37
